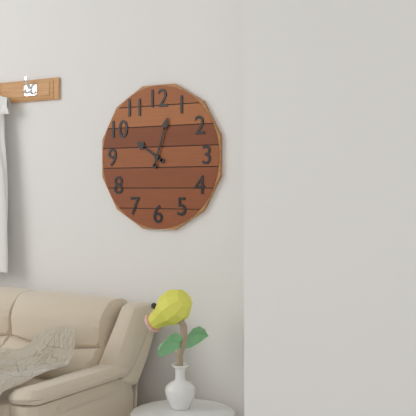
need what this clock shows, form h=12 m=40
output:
h=10 m=3
